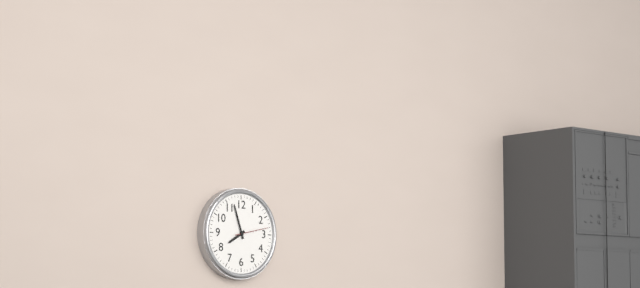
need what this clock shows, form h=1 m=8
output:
h=7 m=57
